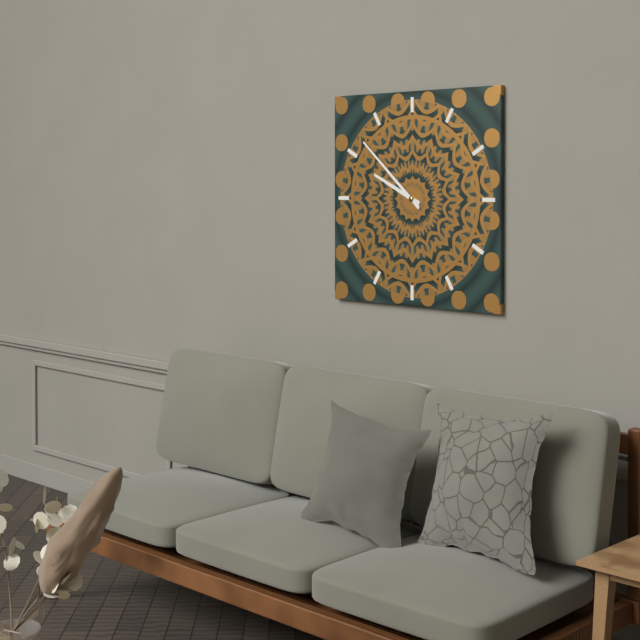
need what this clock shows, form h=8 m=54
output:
h=9 m=52
